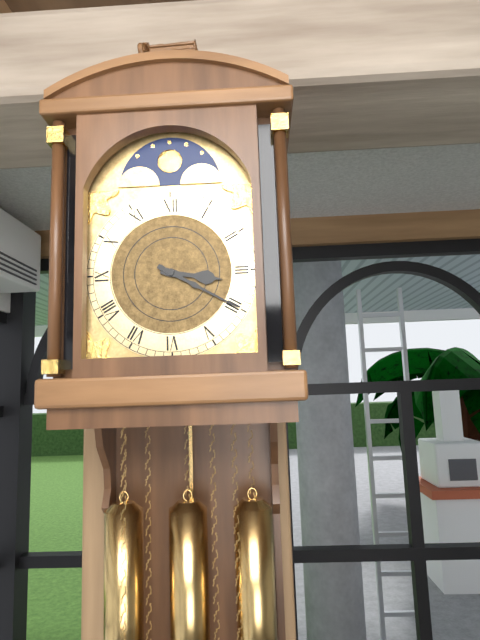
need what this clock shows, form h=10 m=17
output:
h=3 m=20
